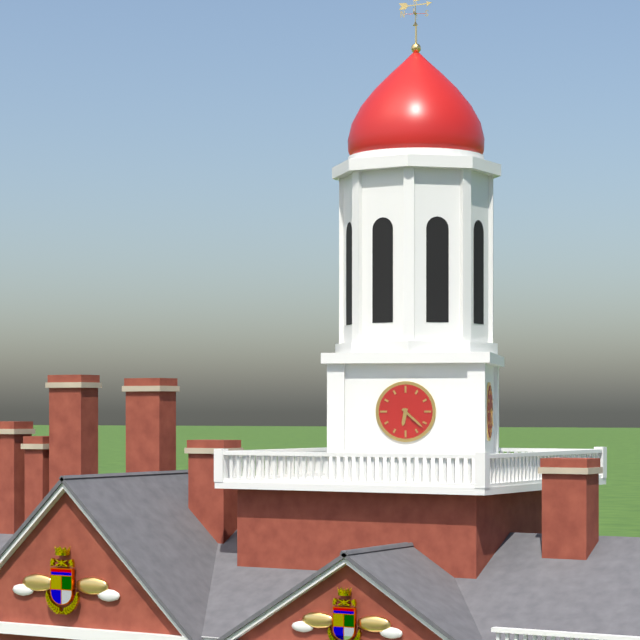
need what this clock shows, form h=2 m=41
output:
h=6 m=22
